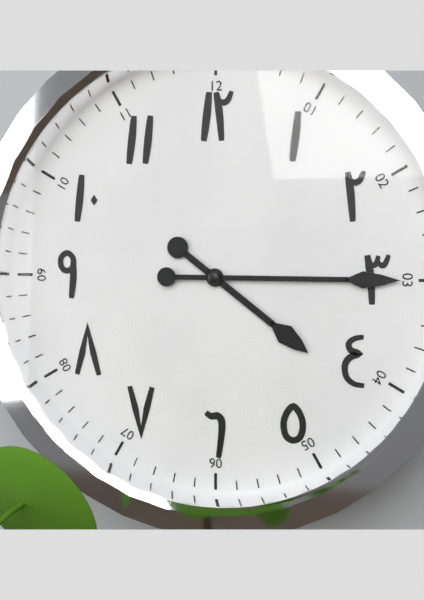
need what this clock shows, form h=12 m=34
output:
h=4 m=15
